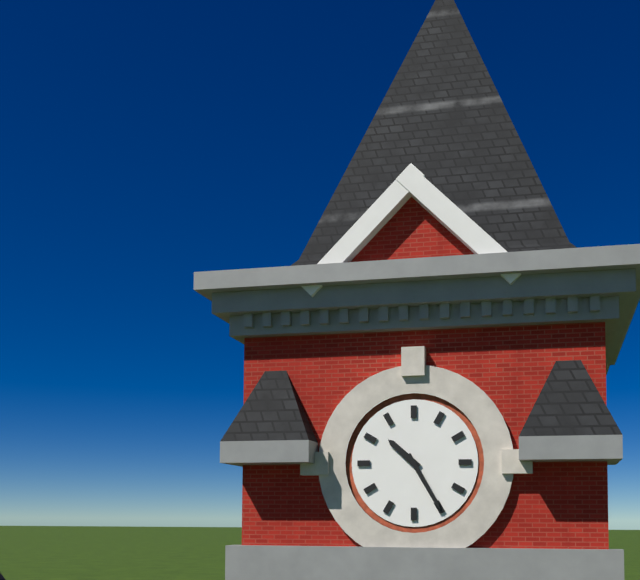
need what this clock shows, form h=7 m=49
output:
h=10 m=25
